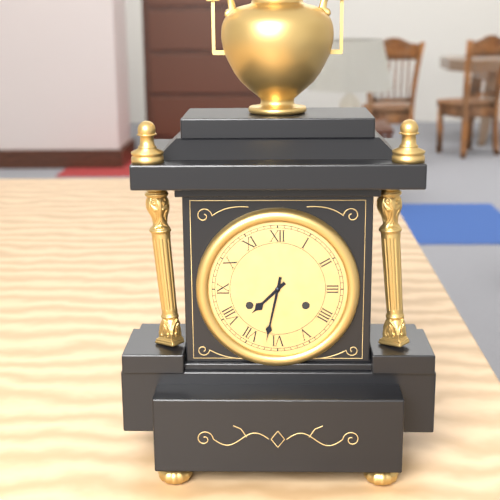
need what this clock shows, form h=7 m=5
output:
h=7 m=32
